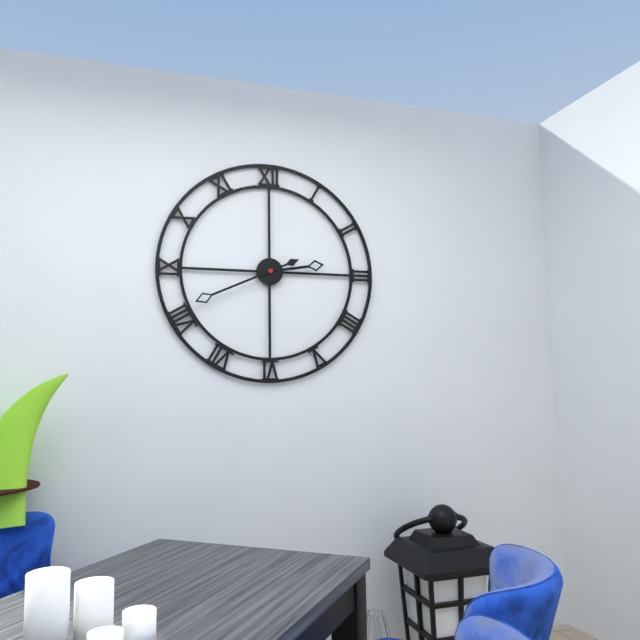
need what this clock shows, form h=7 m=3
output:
h=2 m=41
